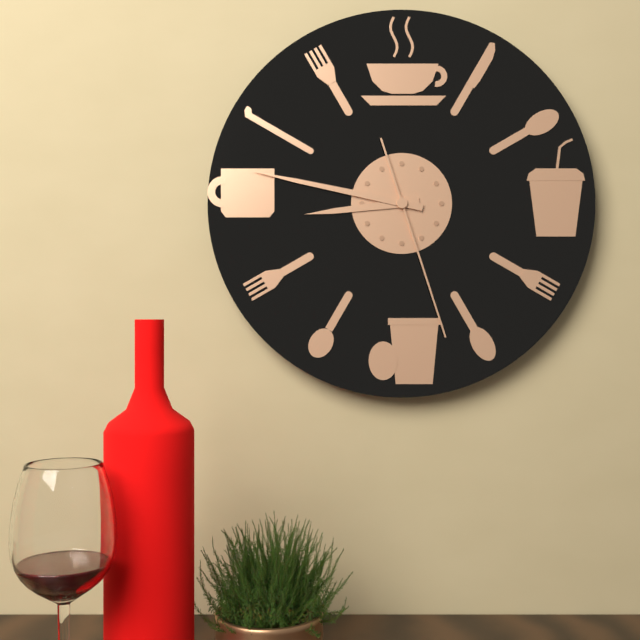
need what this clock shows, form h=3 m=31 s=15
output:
h=8 m=47 s=27
